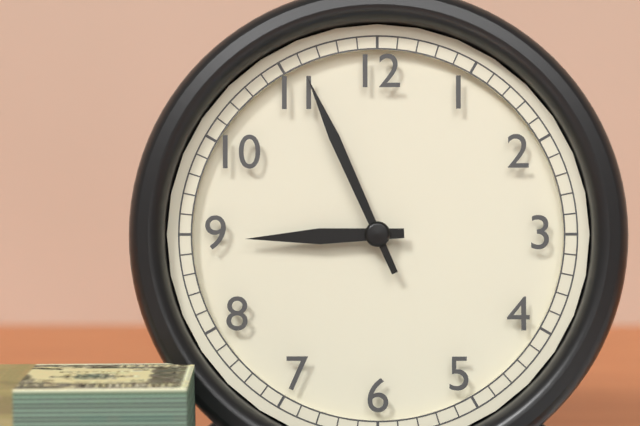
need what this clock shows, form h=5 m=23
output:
h=8 m=56
